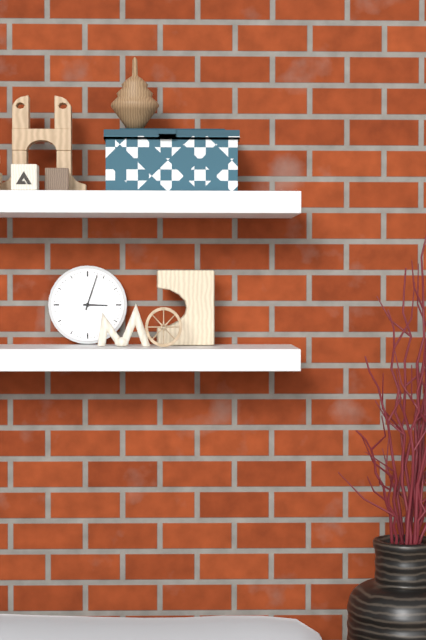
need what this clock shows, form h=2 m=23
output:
h=3 m=3
